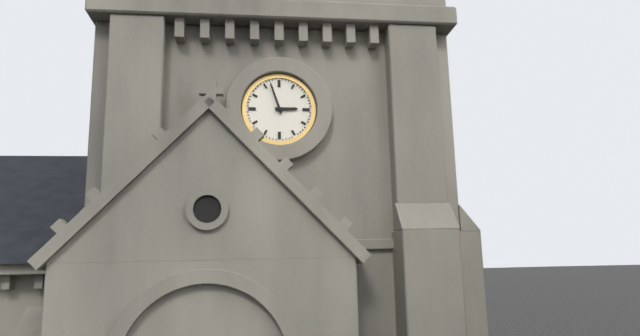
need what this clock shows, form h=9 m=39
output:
h=2 m=57
